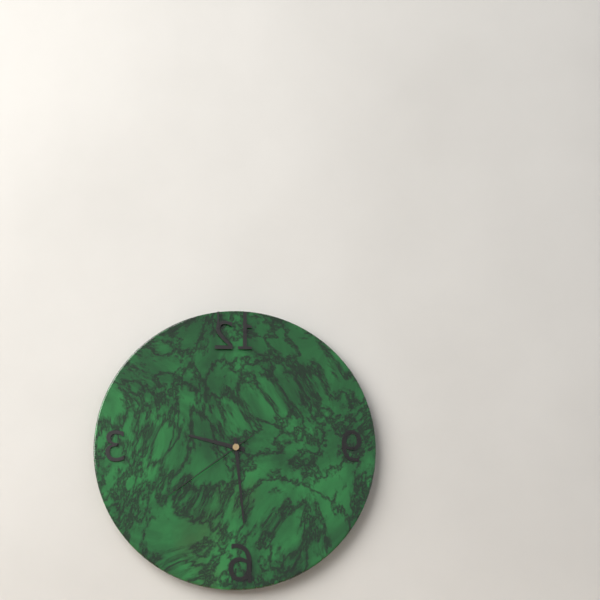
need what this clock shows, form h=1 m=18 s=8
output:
h=9 m=29 s=39
